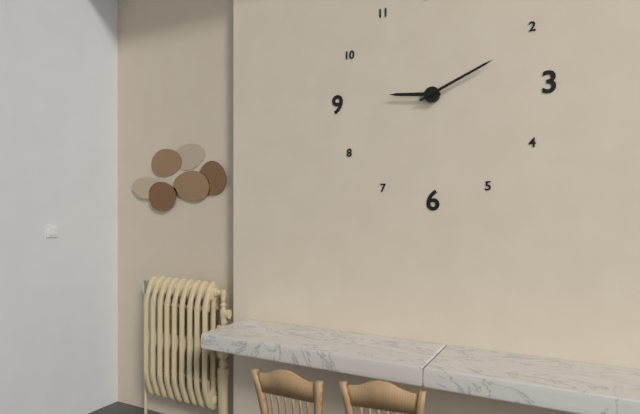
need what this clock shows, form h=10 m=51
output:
h=9 m=11
